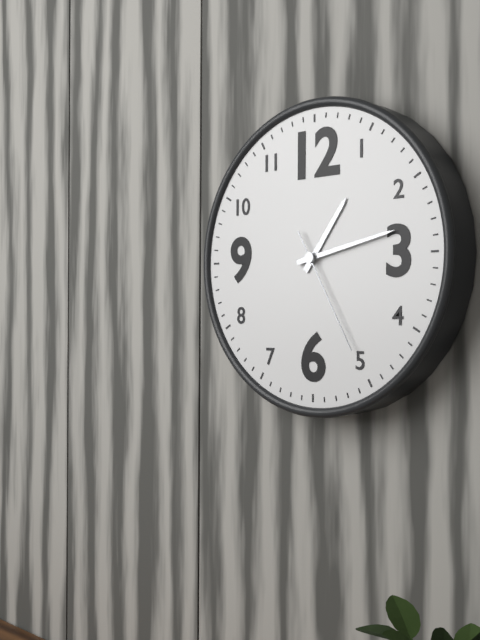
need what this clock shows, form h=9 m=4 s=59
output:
h=1 m=13 s=25
